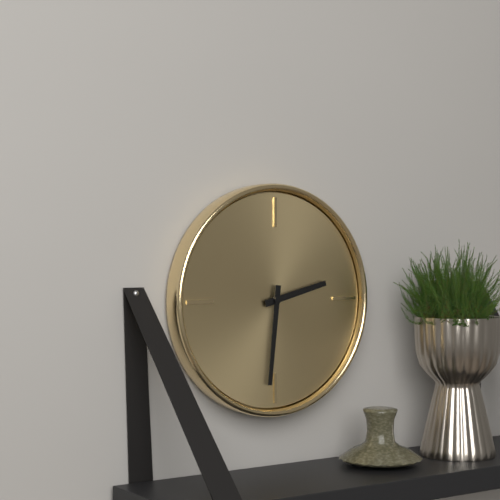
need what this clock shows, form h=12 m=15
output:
h=2 m=31
